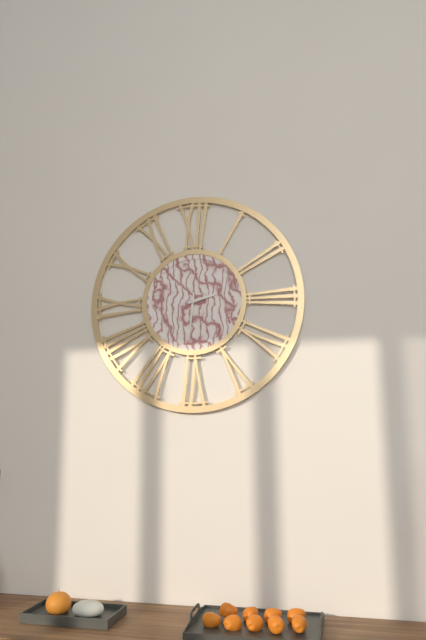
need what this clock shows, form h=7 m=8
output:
h=2 m=31
